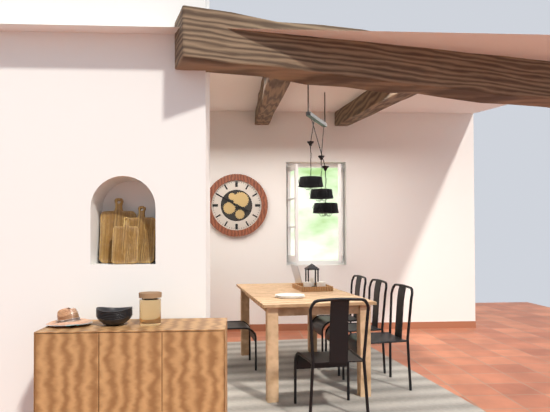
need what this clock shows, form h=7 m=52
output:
h=3 m=50
